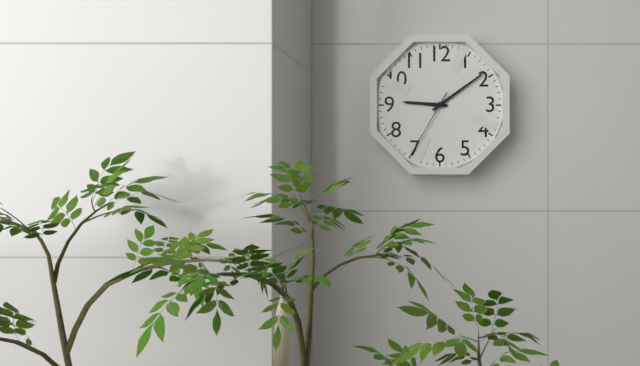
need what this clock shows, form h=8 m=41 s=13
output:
h=9 m=9 s=35
